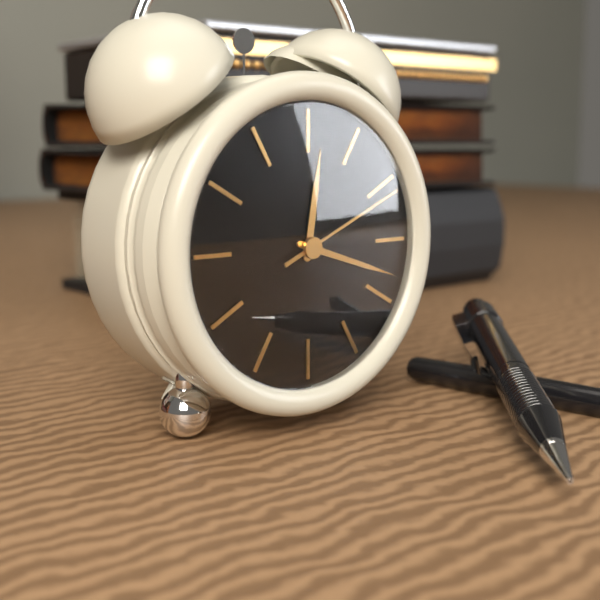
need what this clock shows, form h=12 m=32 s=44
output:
h=12 m=18 s=11
